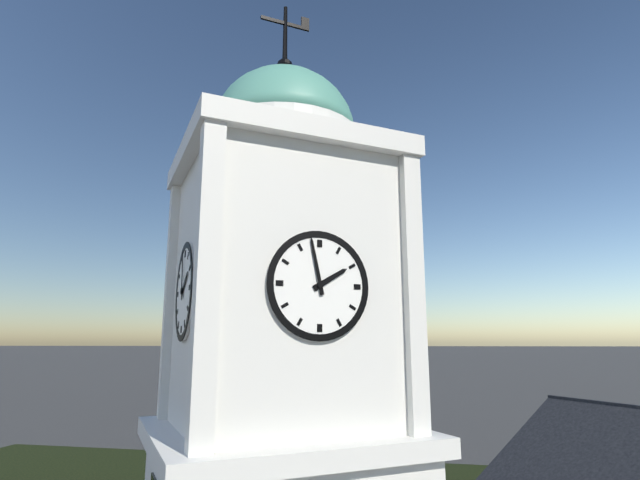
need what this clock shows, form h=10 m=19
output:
h=1 m=58
